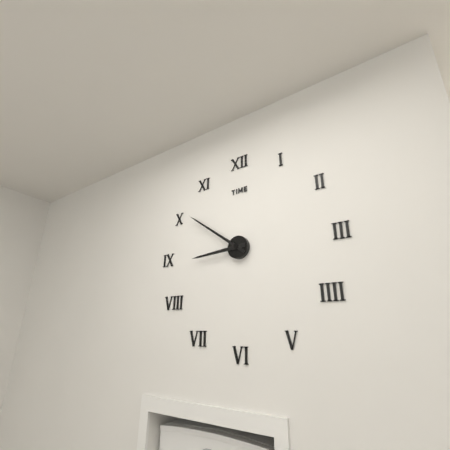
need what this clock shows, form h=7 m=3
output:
h=8 m=51
